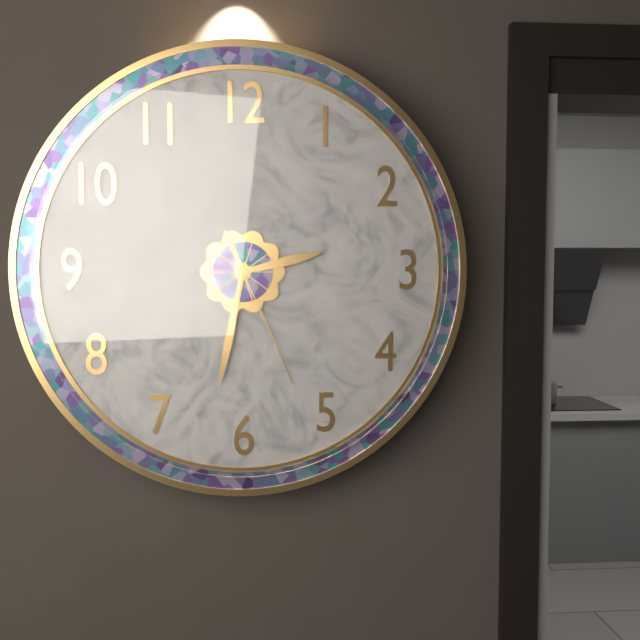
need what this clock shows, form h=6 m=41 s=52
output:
h=2 m=32 s=26
